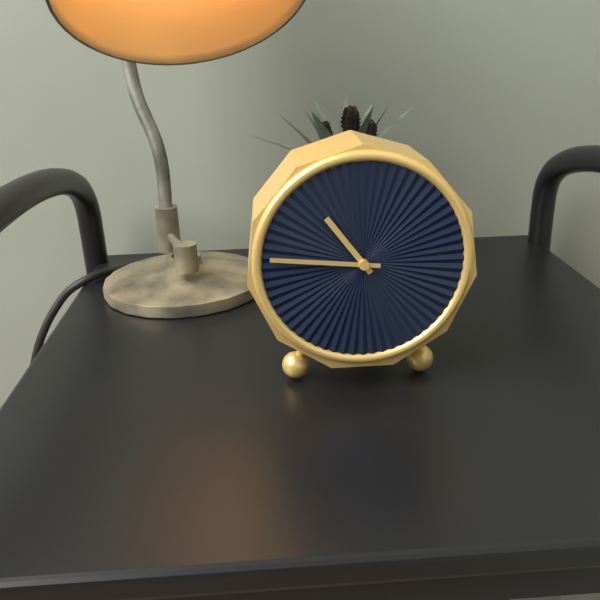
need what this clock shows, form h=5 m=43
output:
h=10 m=46
